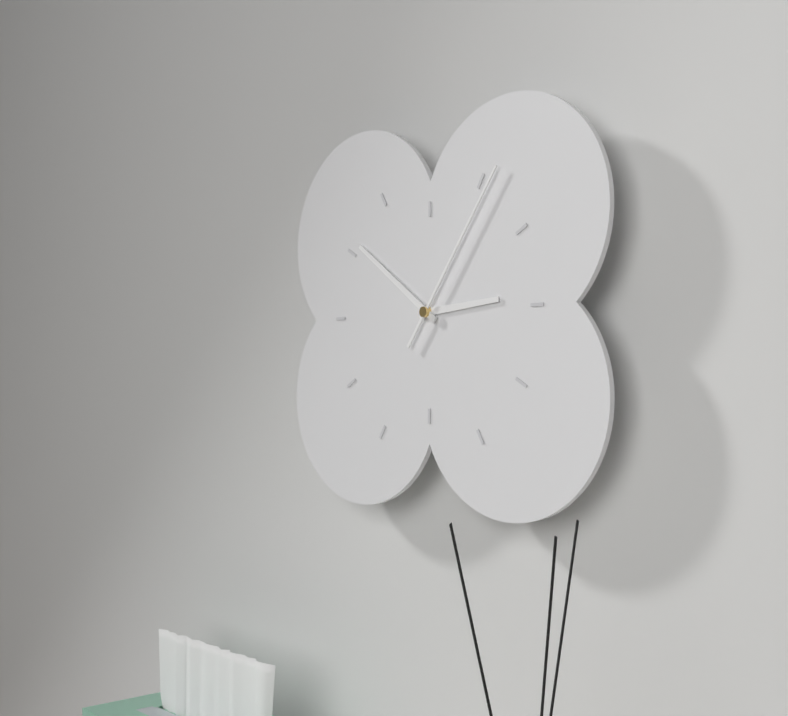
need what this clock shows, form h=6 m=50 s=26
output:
h=2 m=51 s=6
